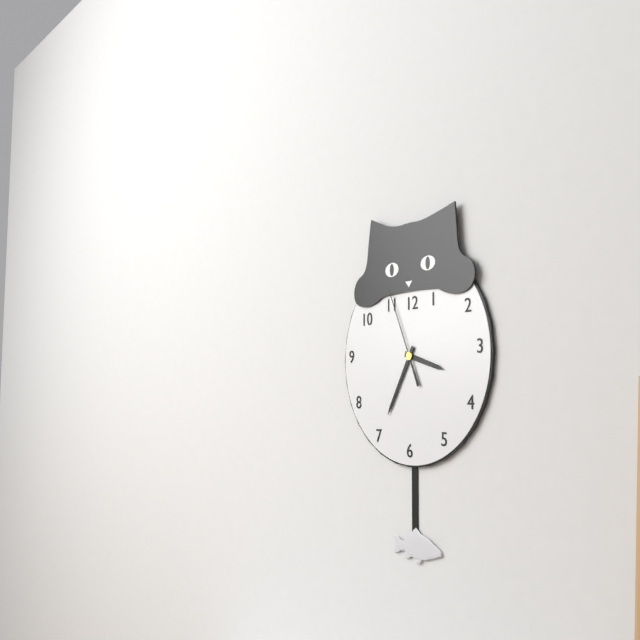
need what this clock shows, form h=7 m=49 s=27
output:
h=3 m=35 s=56
